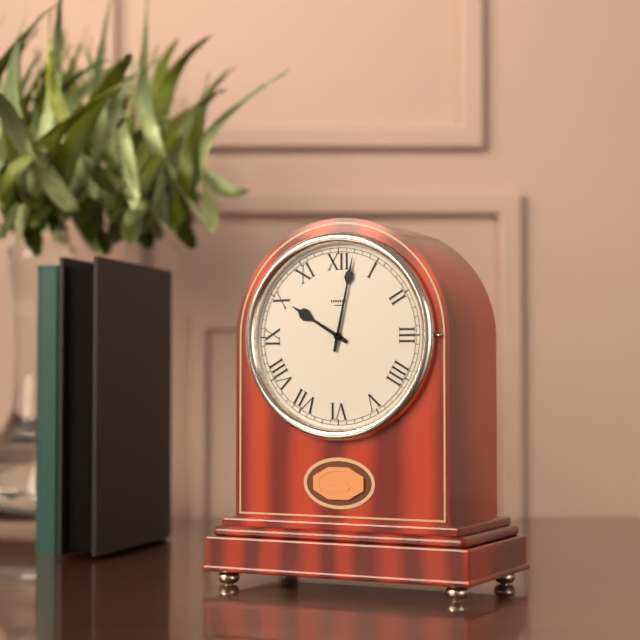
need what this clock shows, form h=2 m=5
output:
h=10 m=2
